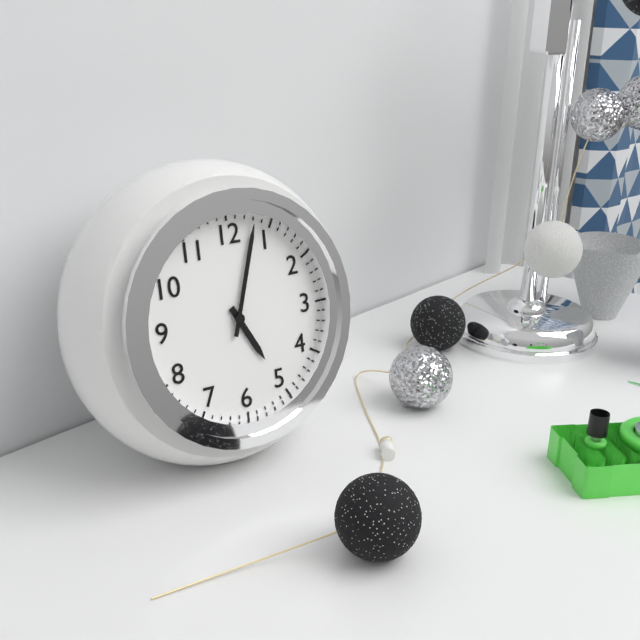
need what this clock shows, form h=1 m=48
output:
h=5 m=3
